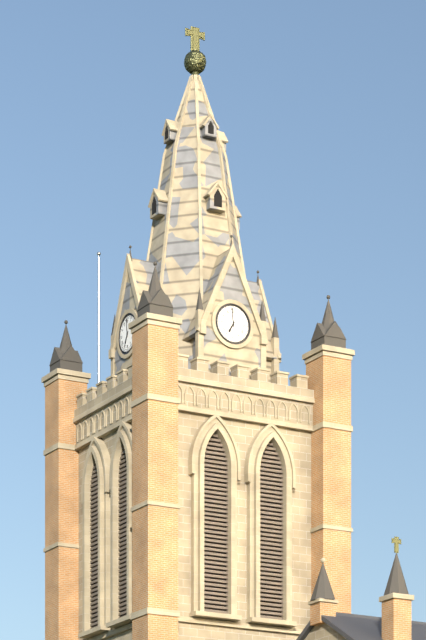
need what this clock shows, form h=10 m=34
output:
h=6 m=59
